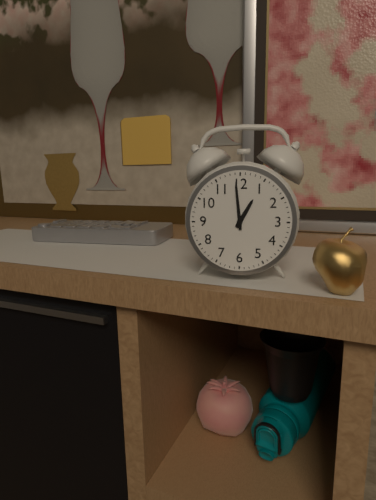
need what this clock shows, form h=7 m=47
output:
h=12 m=59
